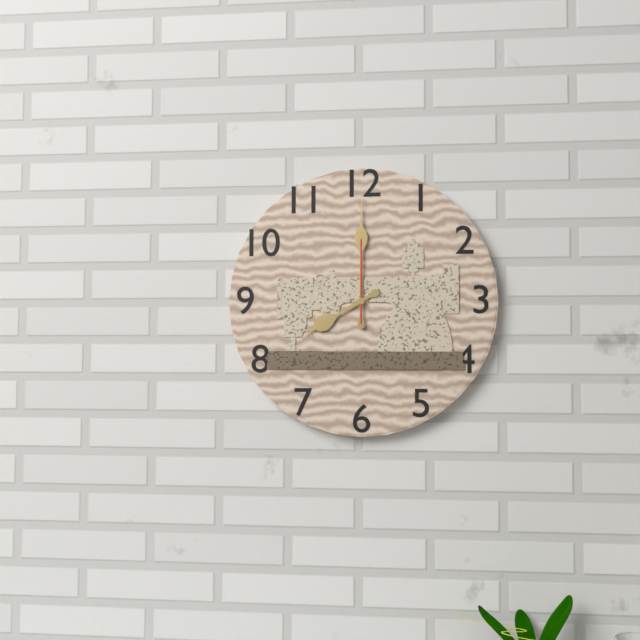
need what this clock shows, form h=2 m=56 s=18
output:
h=8 m=0 s=0
